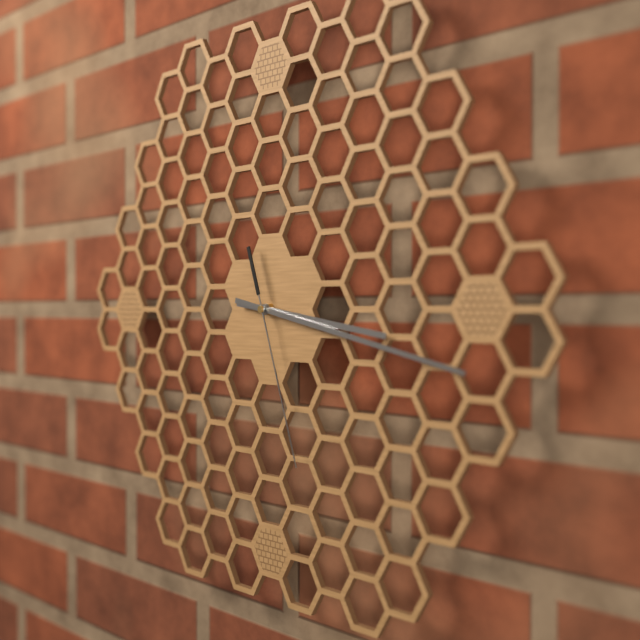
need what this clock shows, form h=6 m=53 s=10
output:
h=3 m=17 s=27
